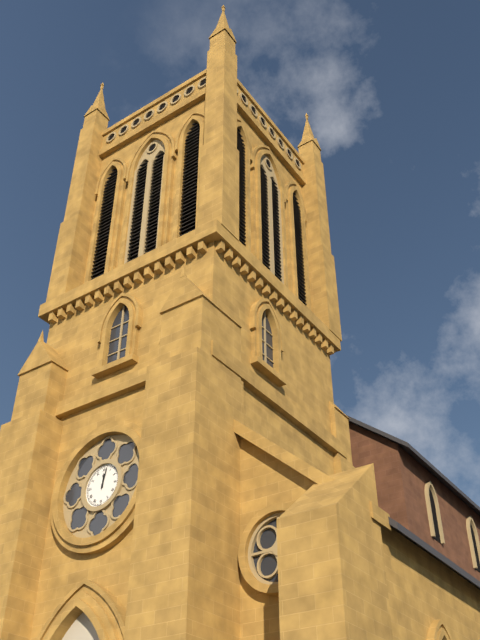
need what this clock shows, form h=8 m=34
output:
h=12 m=2
